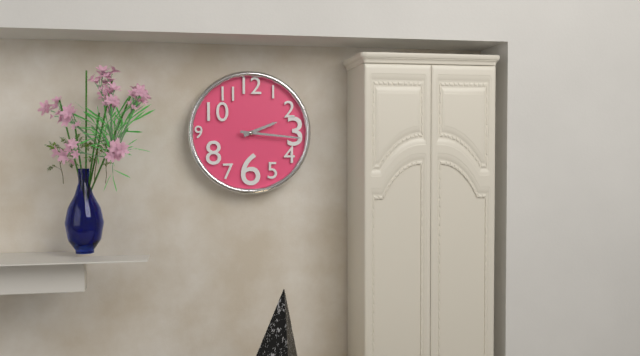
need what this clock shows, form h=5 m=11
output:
h=2 m=16
